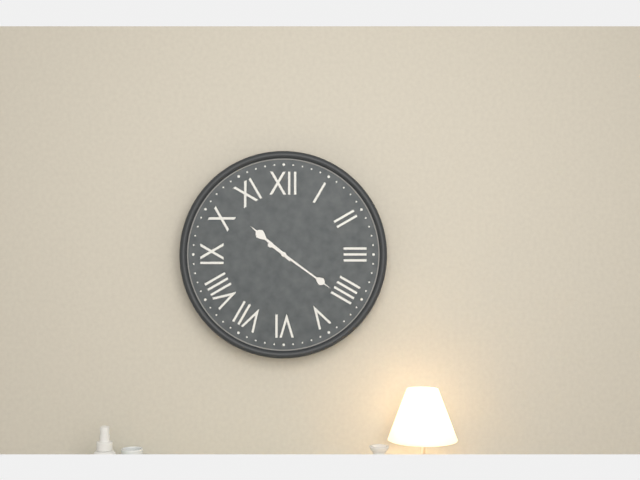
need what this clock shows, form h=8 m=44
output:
h=10 m=21
